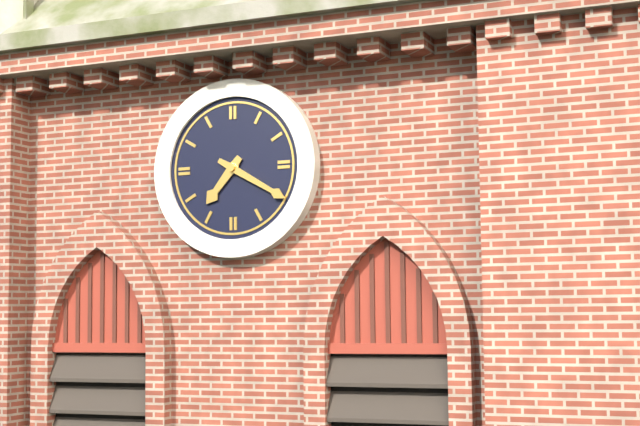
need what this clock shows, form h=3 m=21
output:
h=7 m=20
